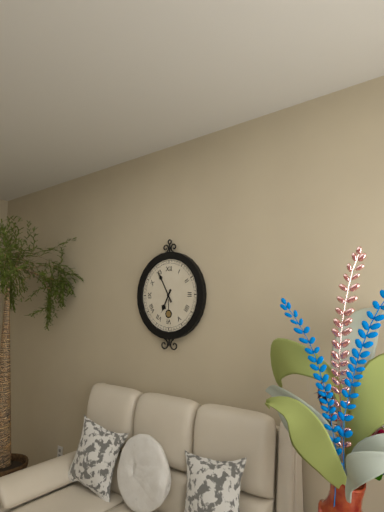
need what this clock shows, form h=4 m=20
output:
h=6 m=55
